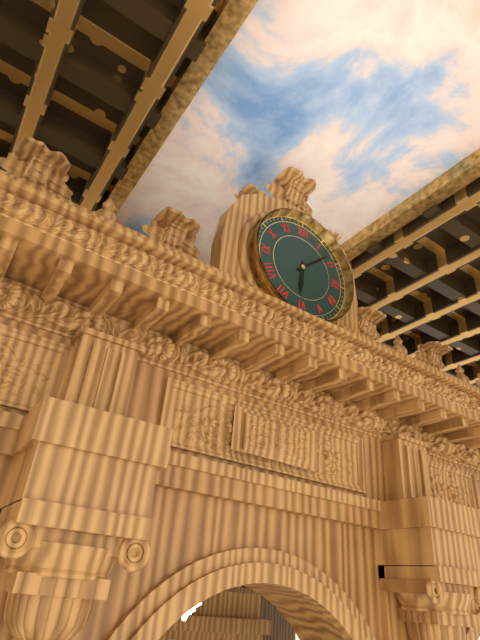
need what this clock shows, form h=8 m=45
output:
h=6 m=8
